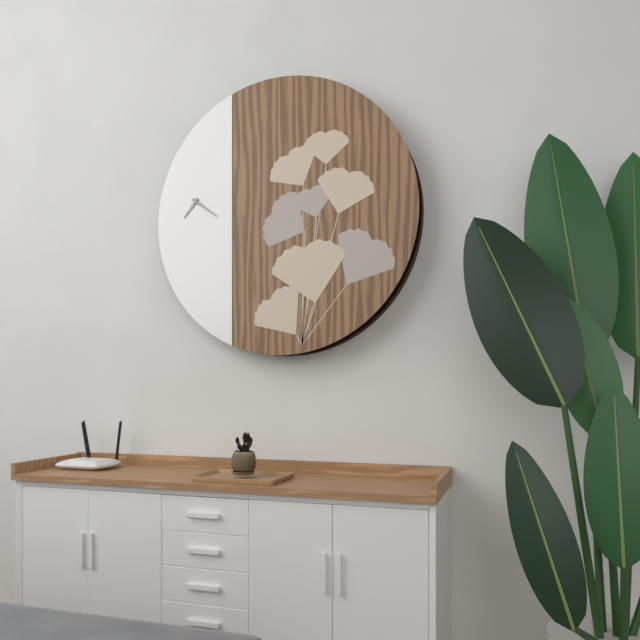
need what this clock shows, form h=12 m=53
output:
h=7 m=21
